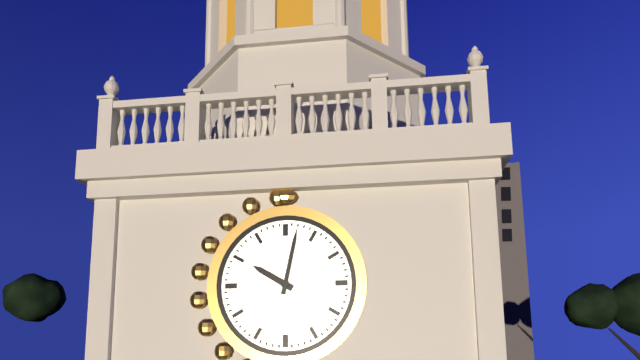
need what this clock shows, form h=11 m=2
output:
h=10 m=2
